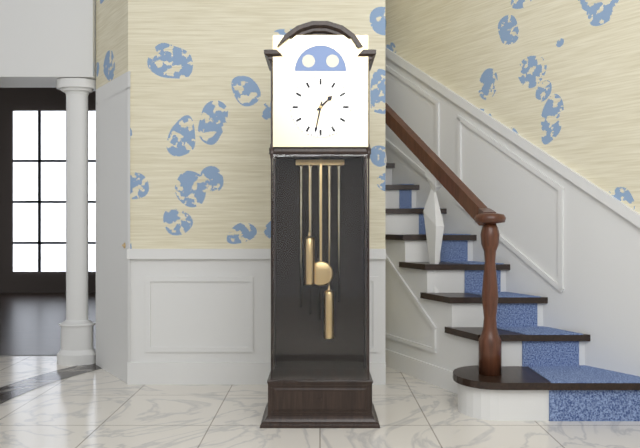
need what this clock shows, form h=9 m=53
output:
h=1 m=32
